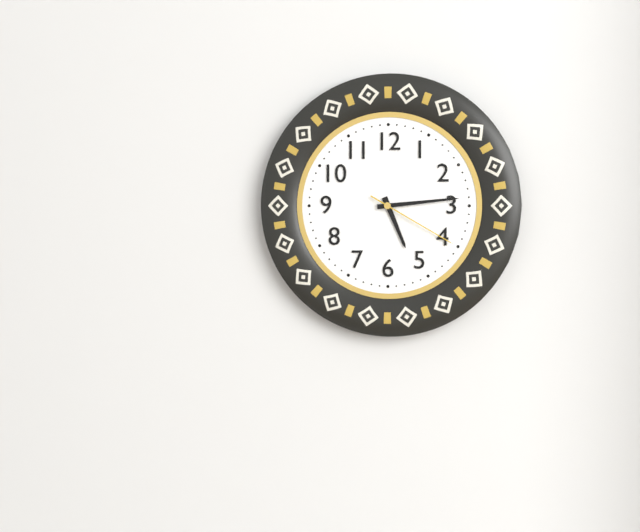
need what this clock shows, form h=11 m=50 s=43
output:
h=5 m=14 s=20
